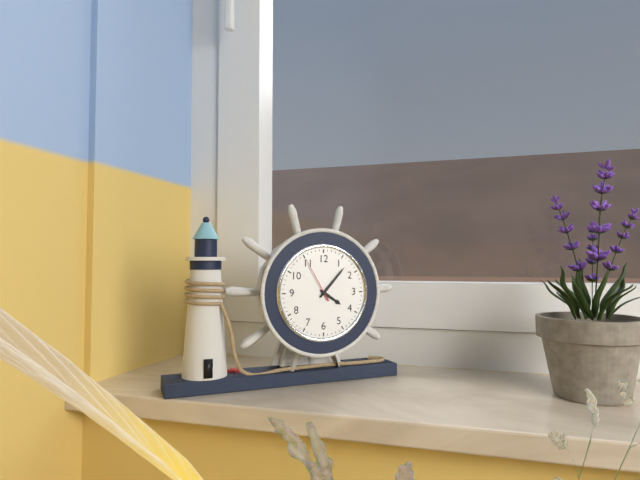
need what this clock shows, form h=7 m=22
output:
h=4 m=7
